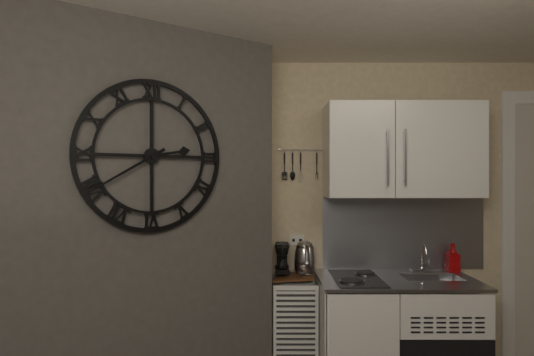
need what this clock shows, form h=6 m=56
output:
h=2 m=40
